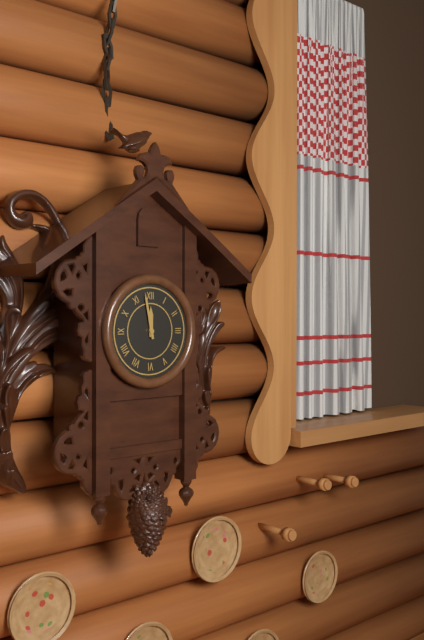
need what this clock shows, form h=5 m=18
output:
h=11 m=58
